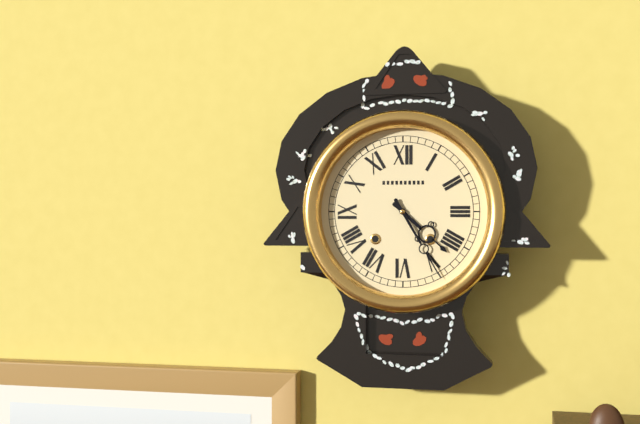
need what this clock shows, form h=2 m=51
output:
h=4 m=25
